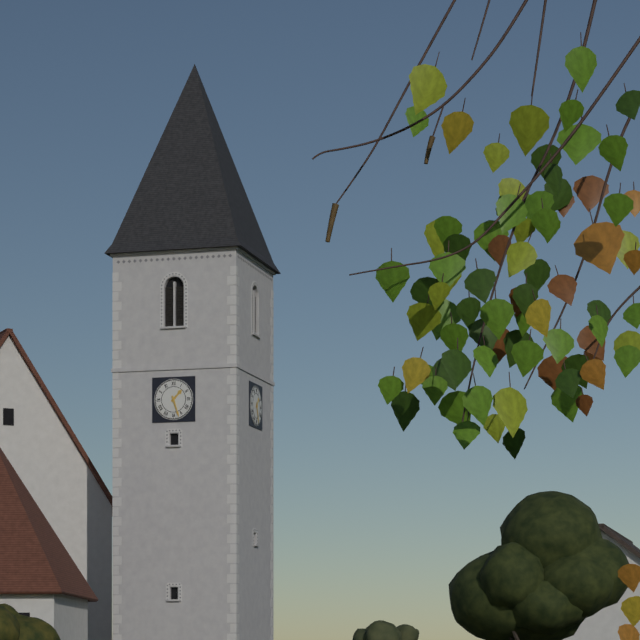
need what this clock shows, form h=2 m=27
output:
h=1 m=27
